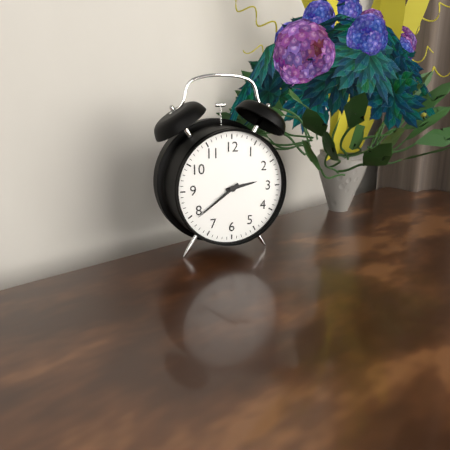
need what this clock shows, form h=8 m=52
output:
h=2 m=39
